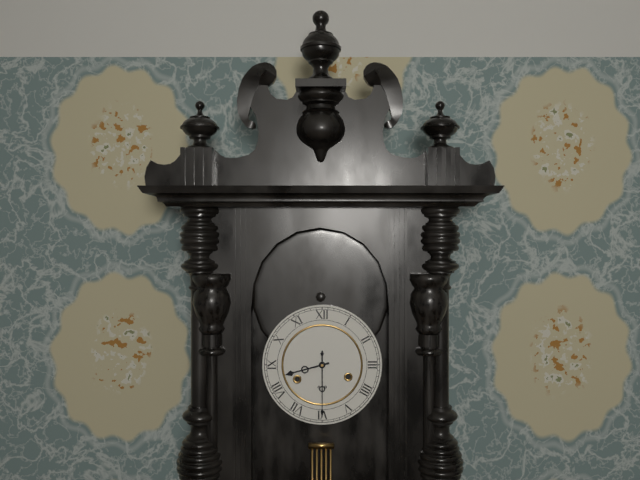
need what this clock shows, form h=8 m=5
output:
h=8 m=30
